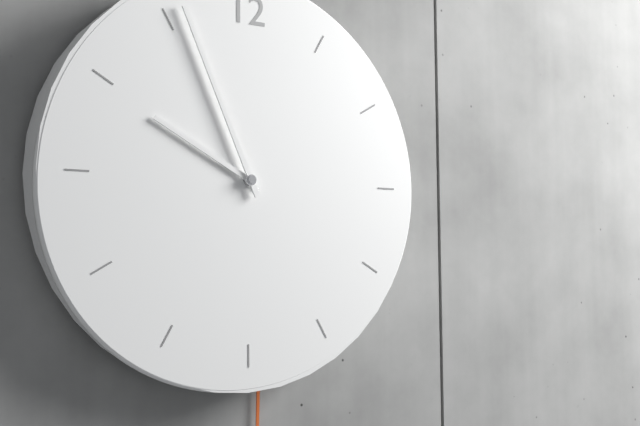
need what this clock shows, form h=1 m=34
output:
h=9 m=56
